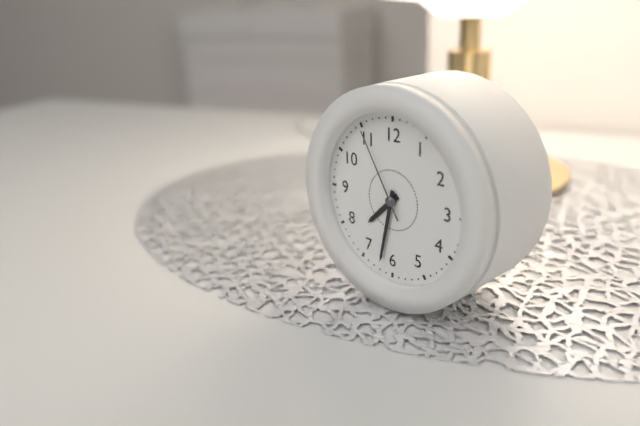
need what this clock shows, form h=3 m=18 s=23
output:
h=7 m=32 s=55
